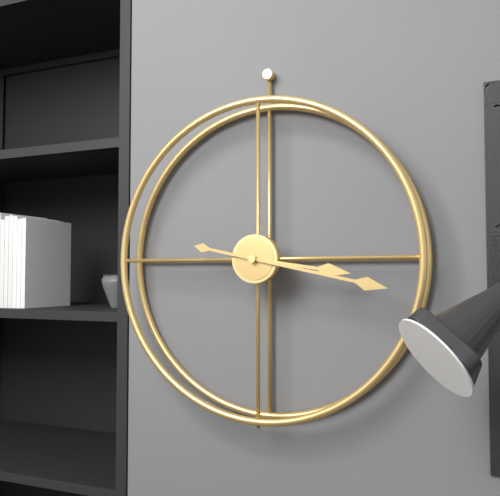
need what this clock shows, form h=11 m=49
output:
h=3 m=17
